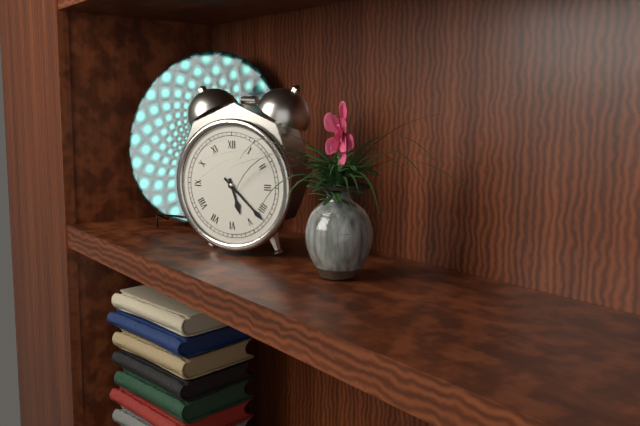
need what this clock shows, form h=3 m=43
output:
h=5 m=22
